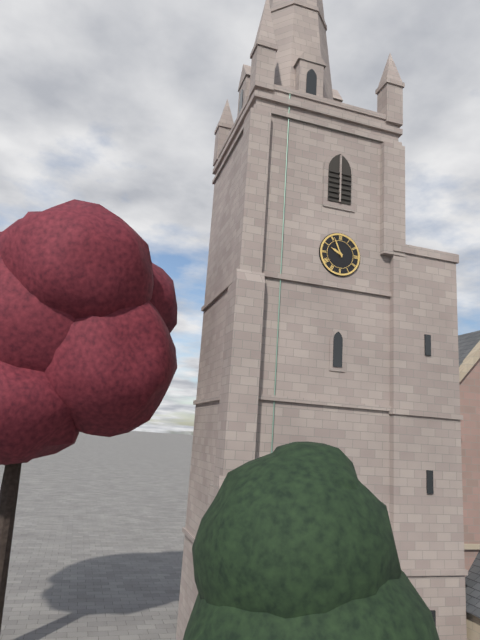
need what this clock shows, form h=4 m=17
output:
h=9 m=56
